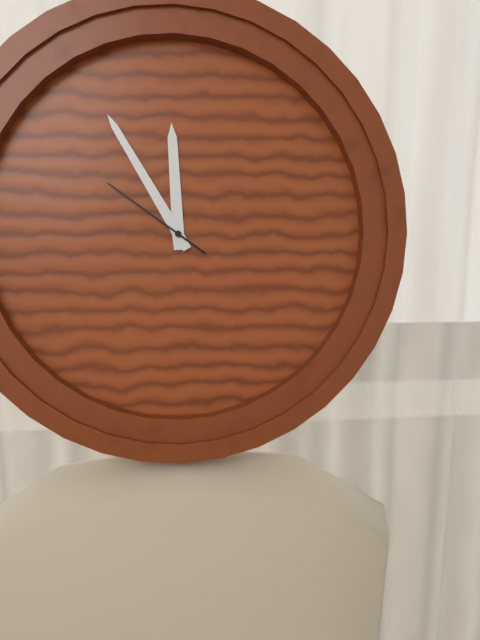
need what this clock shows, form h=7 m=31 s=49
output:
h=11 m=55 s=51
